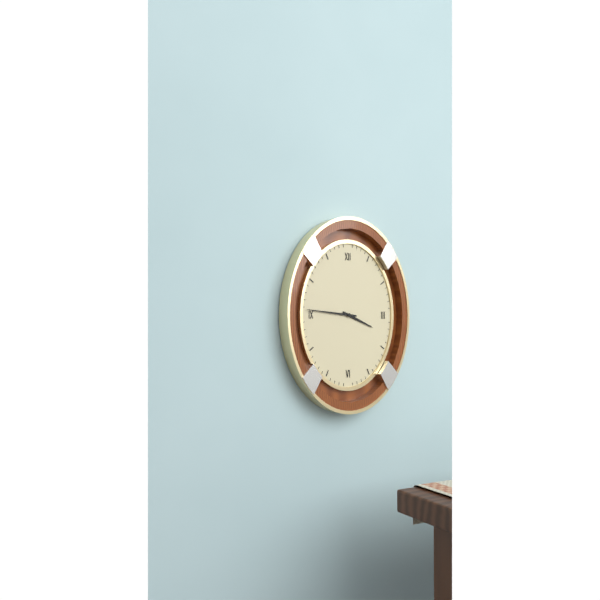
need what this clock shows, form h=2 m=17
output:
h=3 m=46
